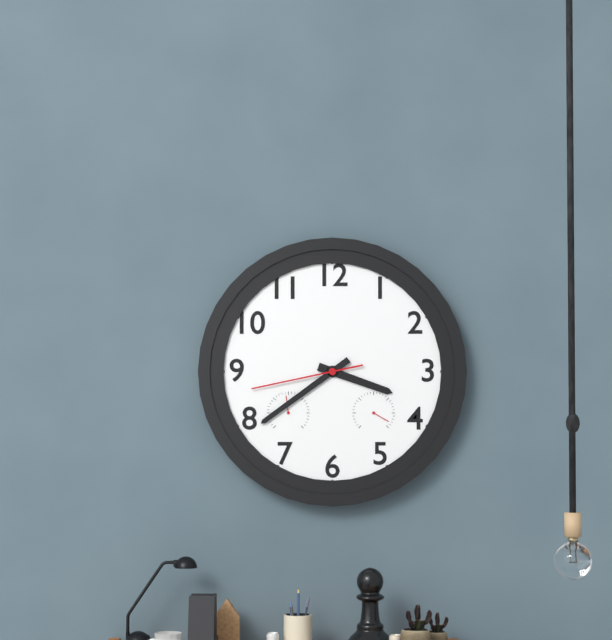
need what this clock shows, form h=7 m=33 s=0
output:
h=3 m=39 s=43
